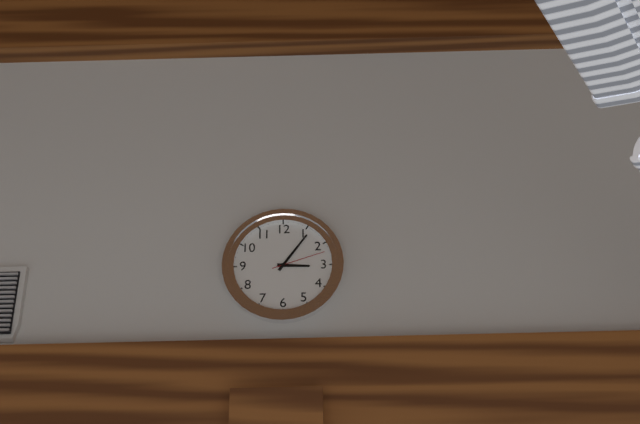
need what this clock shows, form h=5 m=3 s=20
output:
h=3 m=6 s=12
